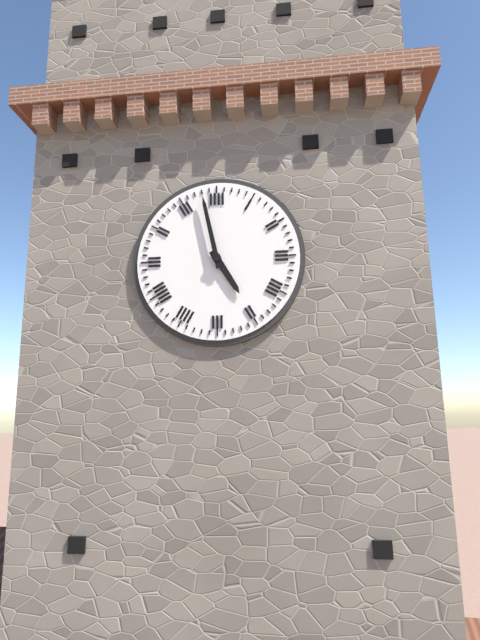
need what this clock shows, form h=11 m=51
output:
h=4 m=58
